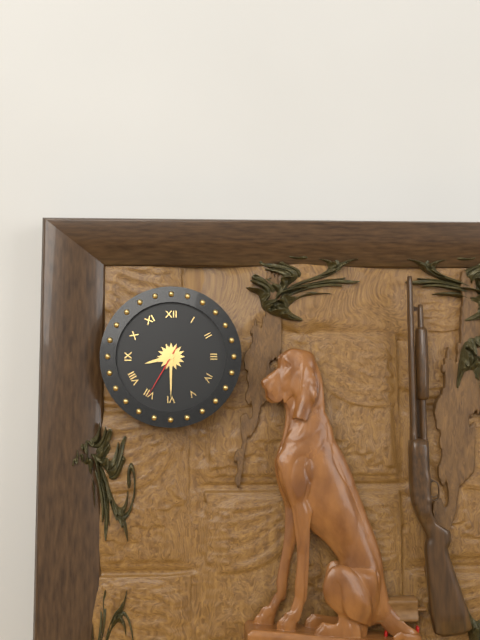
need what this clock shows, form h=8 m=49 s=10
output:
h=8 m=30 s=35
